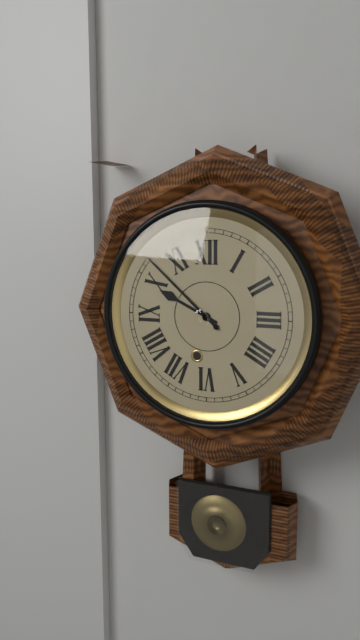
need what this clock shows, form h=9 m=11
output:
h=9 m=52
